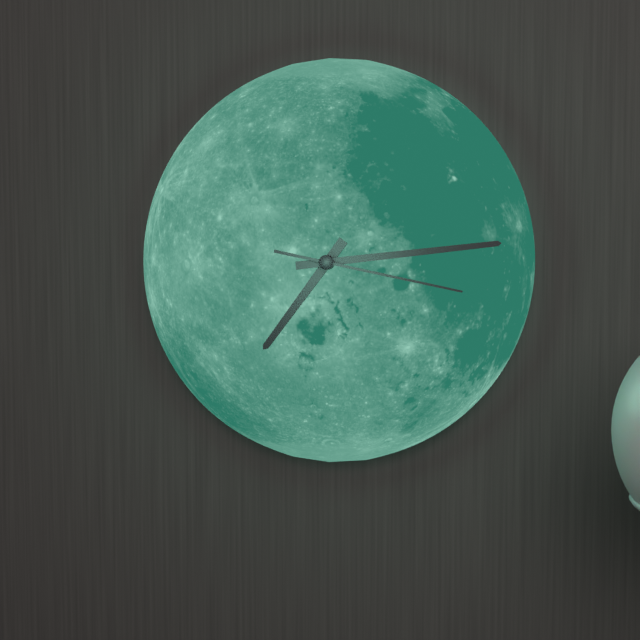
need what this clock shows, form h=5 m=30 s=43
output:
h=7 m=14 s=17
